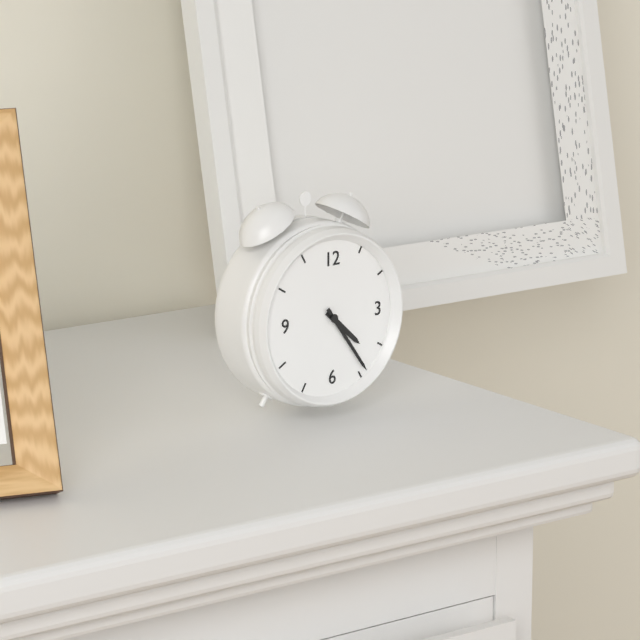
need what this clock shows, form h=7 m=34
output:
h=4 m=24
